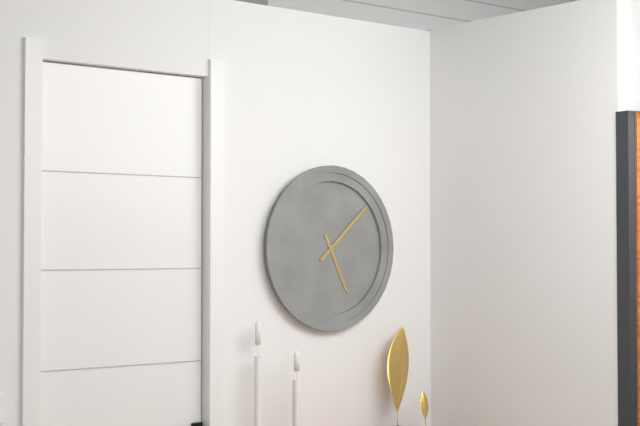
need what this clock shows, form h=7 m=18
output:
h=5 m=8
